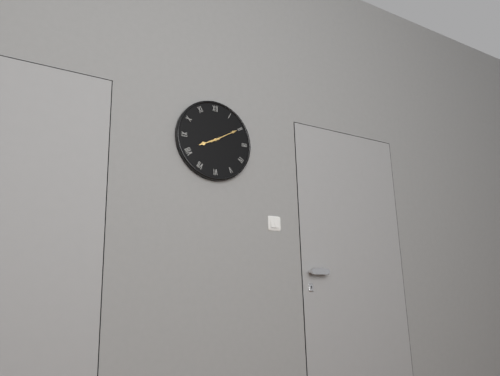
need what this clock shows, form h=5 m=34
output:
h=8 m=10
